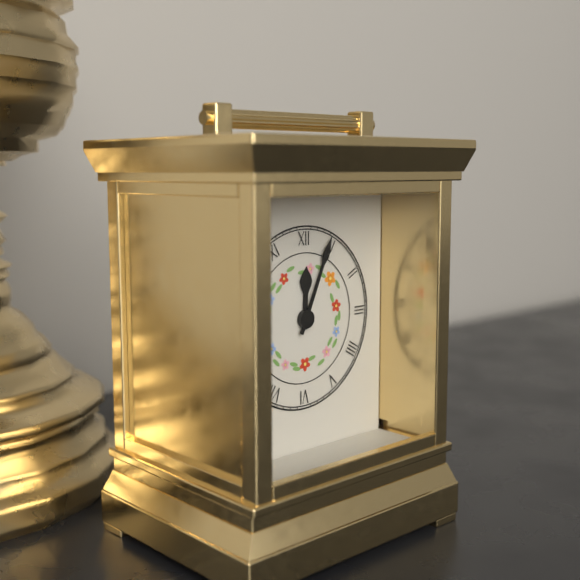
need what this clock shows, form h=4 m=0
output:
h=12 m=4
